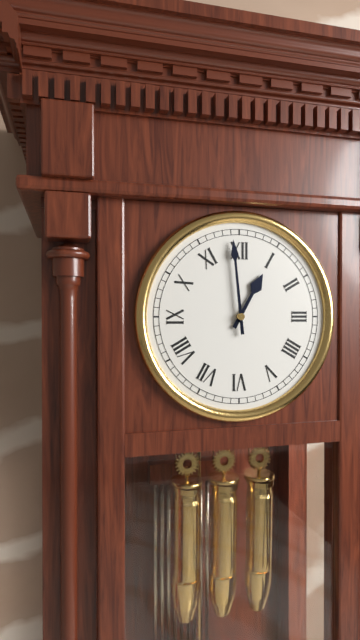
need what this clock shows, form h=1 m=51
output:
h=12 m=59
